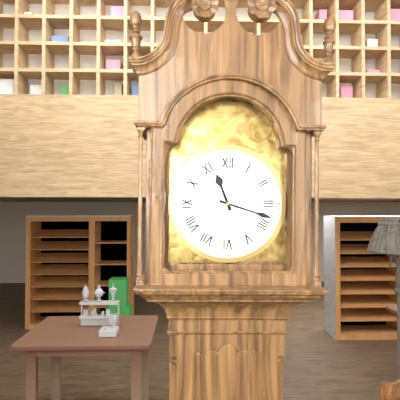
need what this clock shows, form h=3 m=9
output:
h=11 m=18
